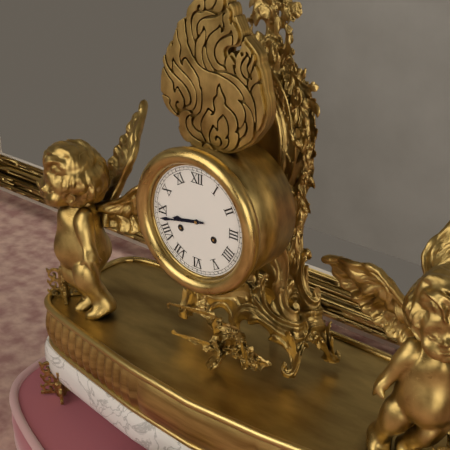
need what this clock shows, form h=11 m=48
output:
h=8 m=43
